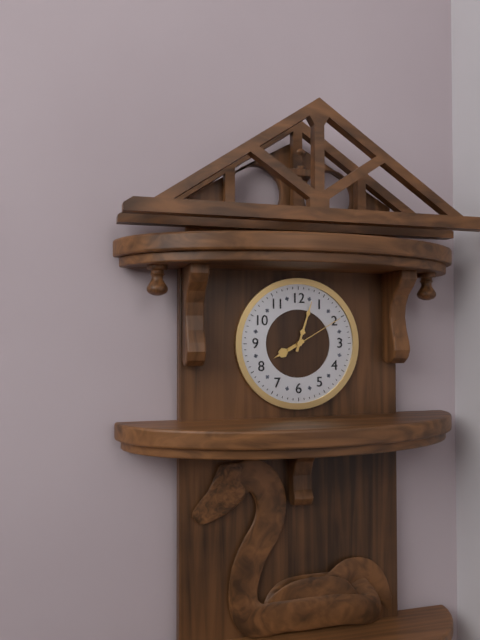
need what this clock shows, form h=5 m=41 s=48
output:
h=8 m=3 s=10
